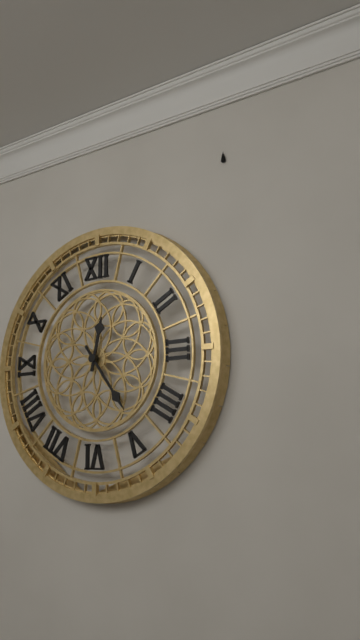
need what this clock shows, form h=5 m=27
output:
h=12 m=24
